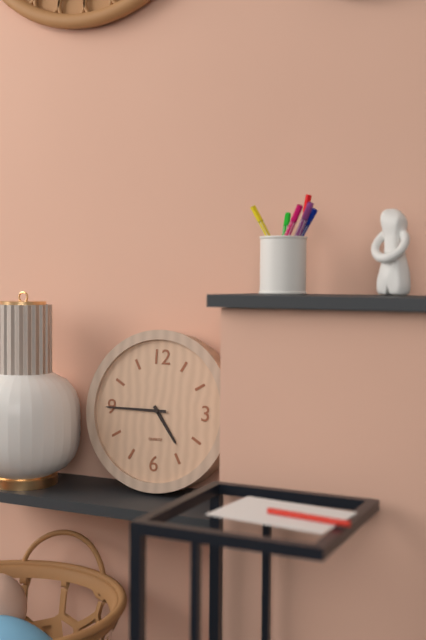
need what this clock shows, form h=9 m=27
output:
h=4 m=45
